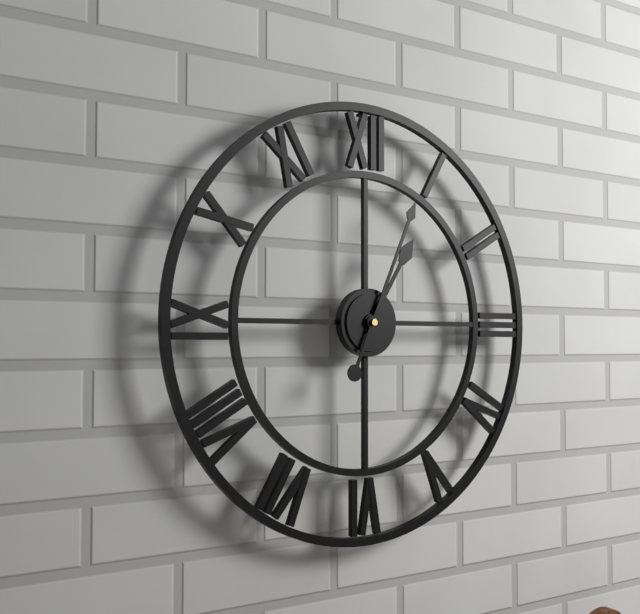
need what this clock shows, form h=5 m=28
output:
h=1 m=4
